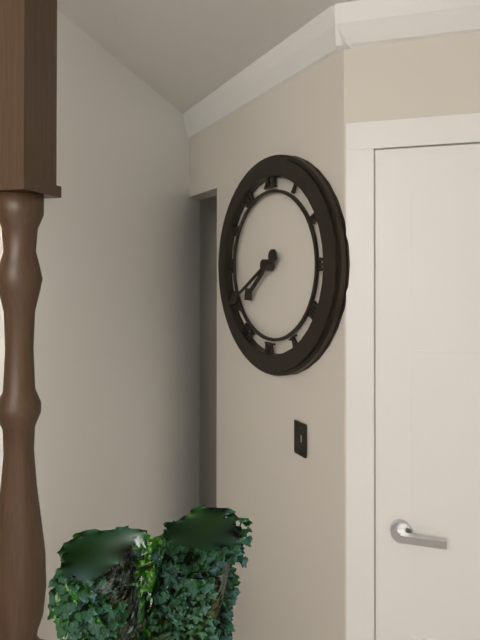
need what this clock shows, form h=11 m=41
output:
h=7 m=40
